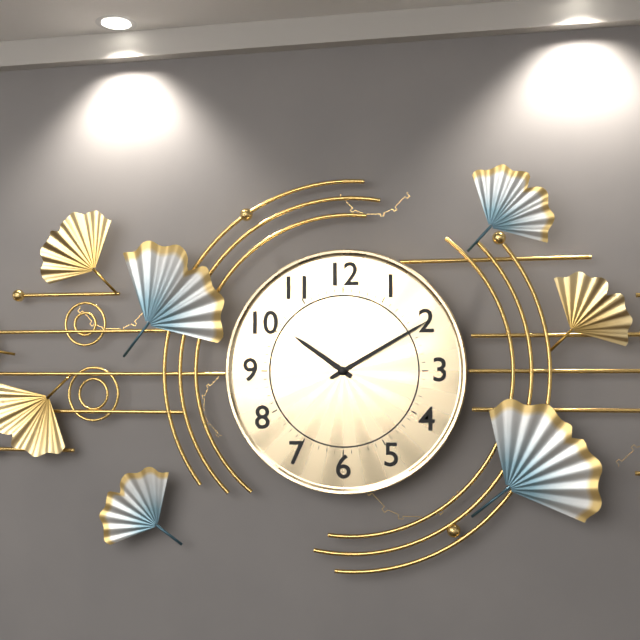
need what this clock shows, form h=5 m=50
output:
h=10 m=10
